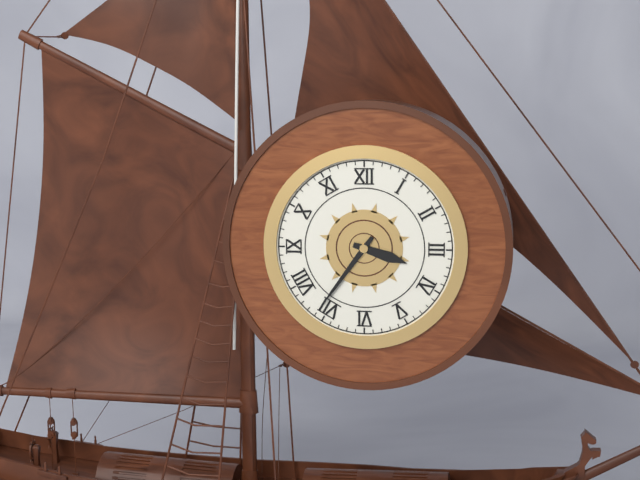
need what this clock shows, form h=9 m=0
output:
h=3 m=36
